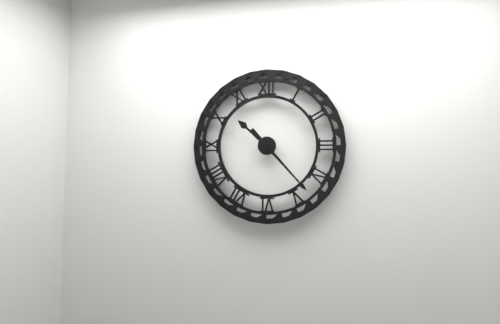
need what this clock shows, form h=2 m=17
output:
h=10 m=23
